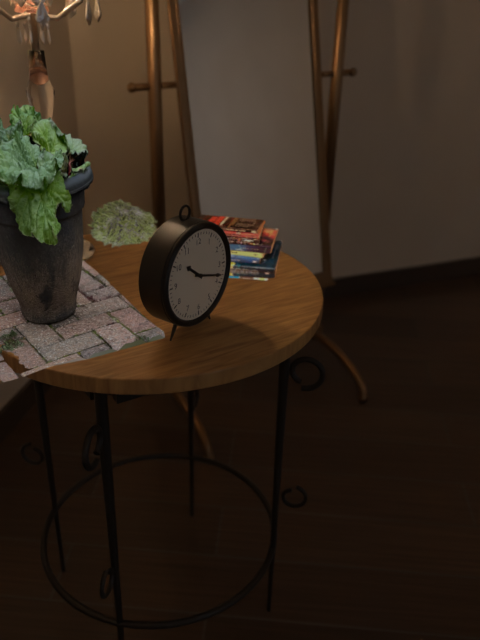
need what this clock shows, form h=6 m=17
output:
h=10 m=18
